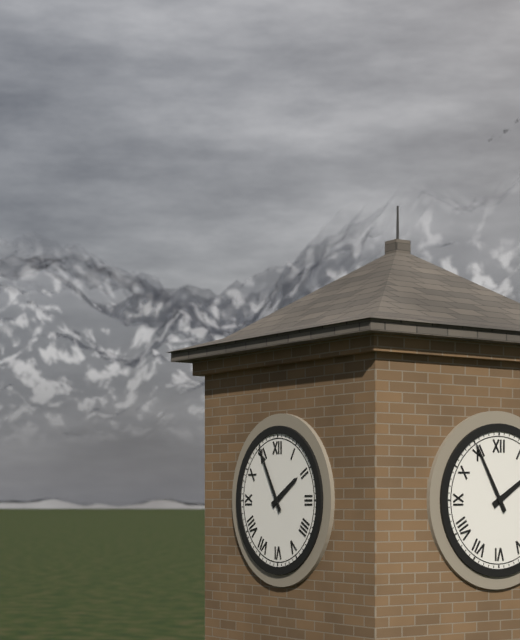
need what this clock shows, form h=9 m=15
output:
h=1 m=55
